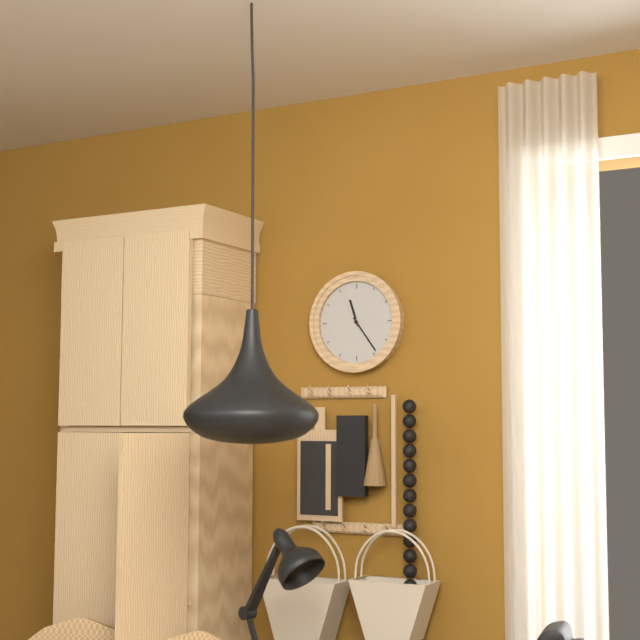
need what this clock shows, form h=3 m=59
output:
h=11 m=24
